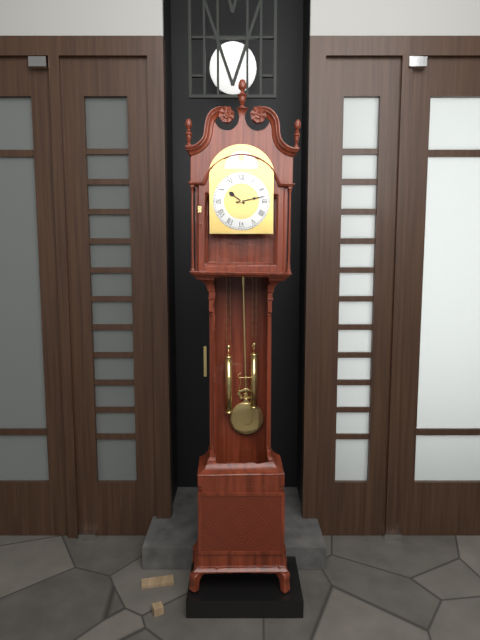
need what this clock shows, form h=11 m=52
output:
h=10 m=13
